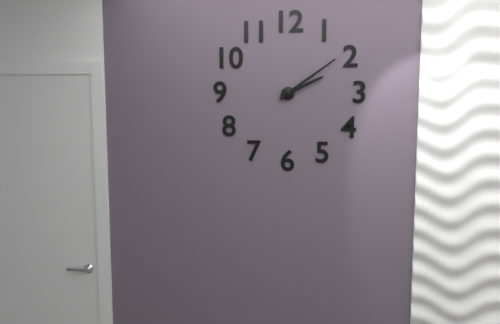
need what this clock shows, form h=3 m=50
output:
h=2 m=9
